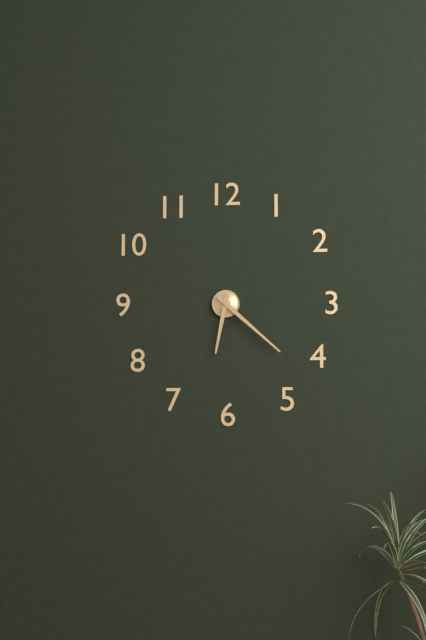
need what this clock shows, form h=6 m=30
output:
h=6 m=22
